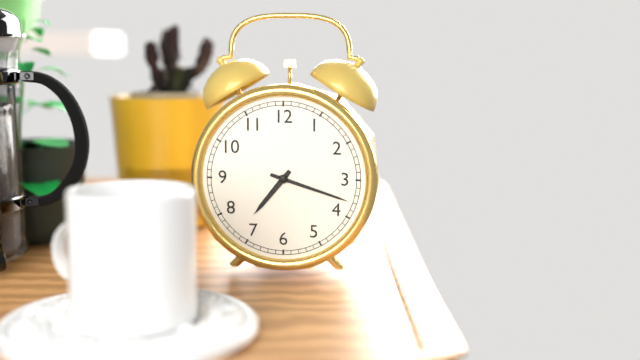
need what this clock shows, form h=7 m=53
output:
h=7 m=18
